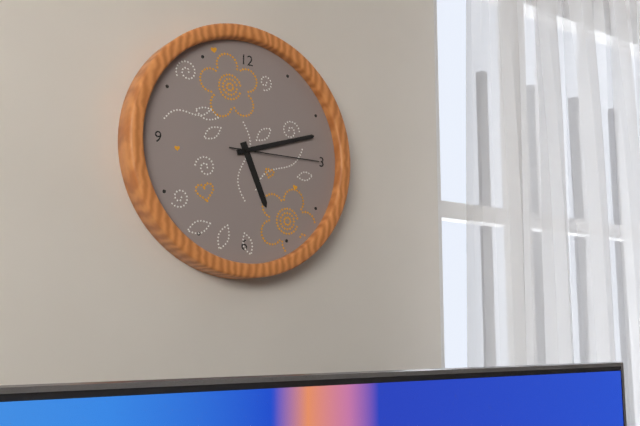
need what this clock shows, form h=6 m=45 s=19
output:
h=5 m=12 s=15
